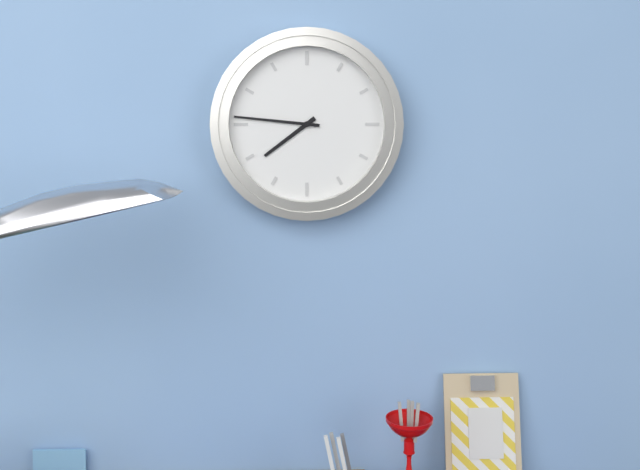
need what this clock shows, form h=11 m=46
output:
h=7 m=46
